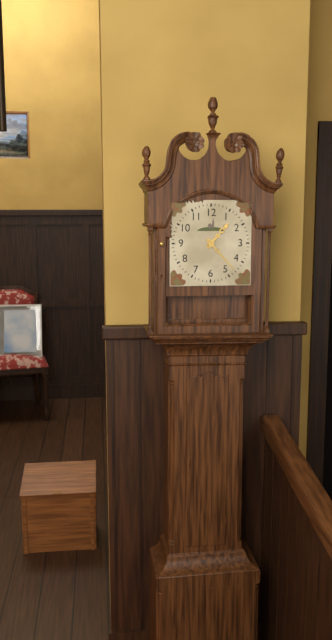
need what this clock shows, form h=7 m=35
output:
h=1 m=23
